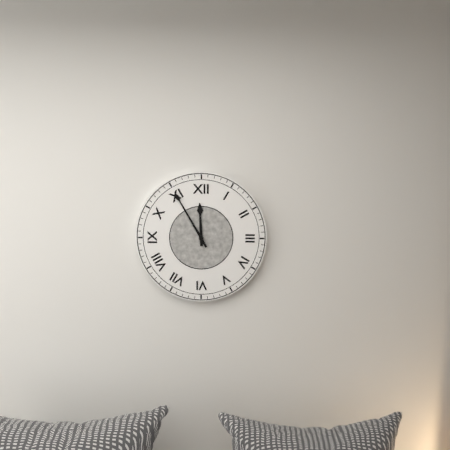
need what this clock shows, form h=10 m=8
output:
h=11 m=55
